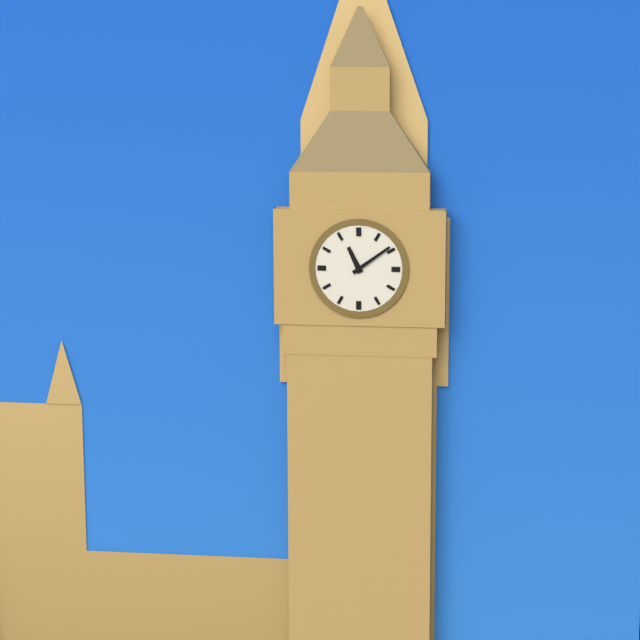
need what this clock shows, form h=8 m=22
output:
h=11 m=9
